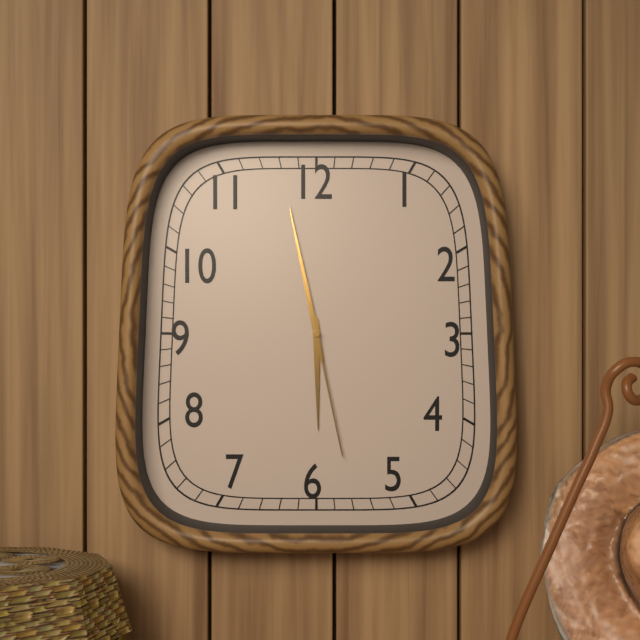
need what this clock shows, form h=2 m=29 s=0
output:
h=5 m=58 s=28
